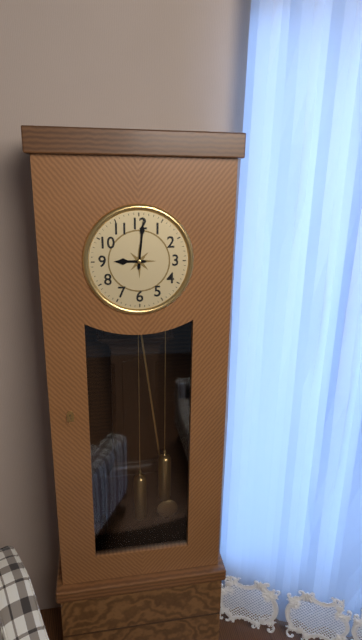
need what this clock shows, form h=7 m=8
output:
h=9 m=1
